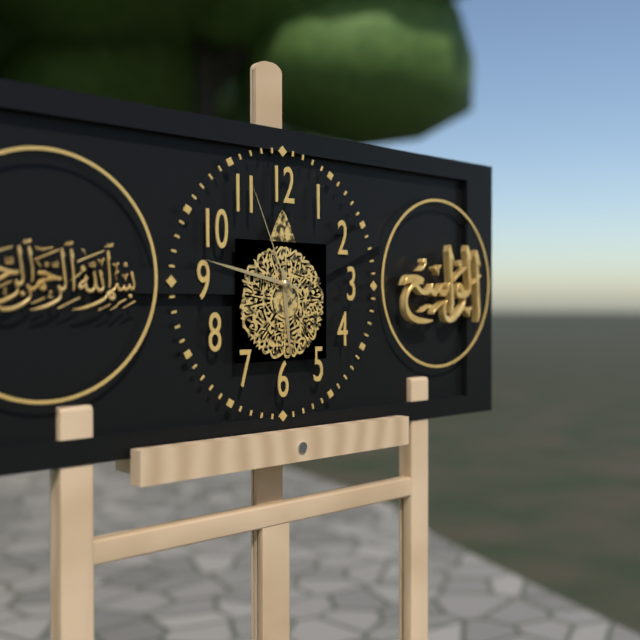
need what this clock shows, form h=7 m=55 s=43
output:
h=5 m=47 s=56
